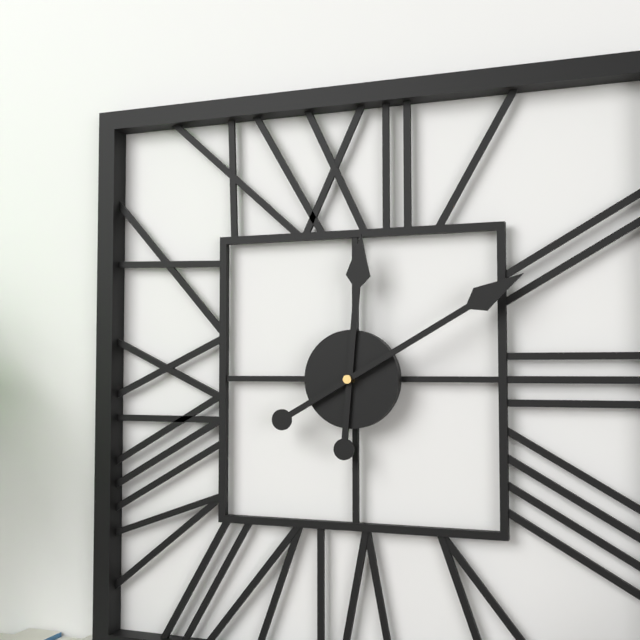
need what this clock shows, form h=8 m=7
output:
h=12 m=10
